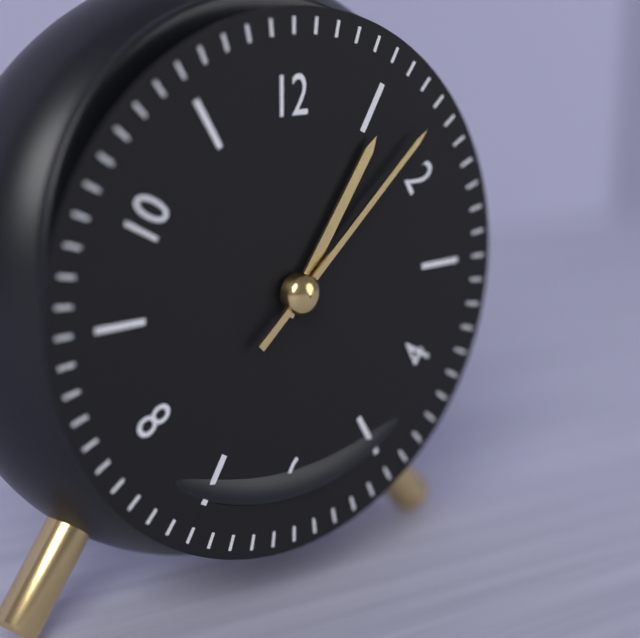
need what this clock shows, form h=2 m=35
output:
h=1 m=8
